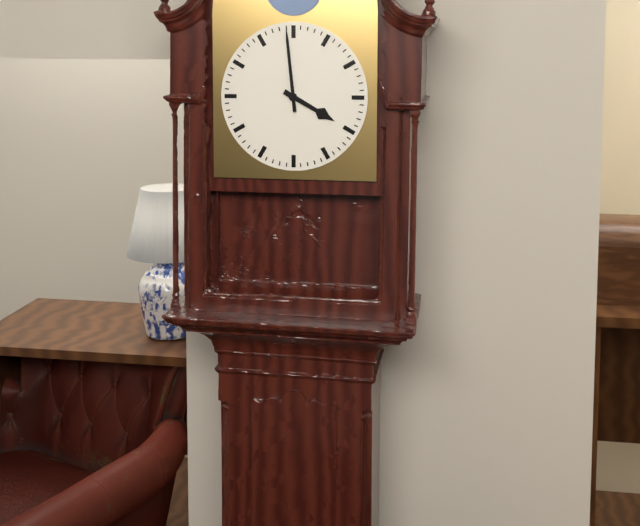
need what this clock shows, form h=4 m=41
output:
h=3 m=59
